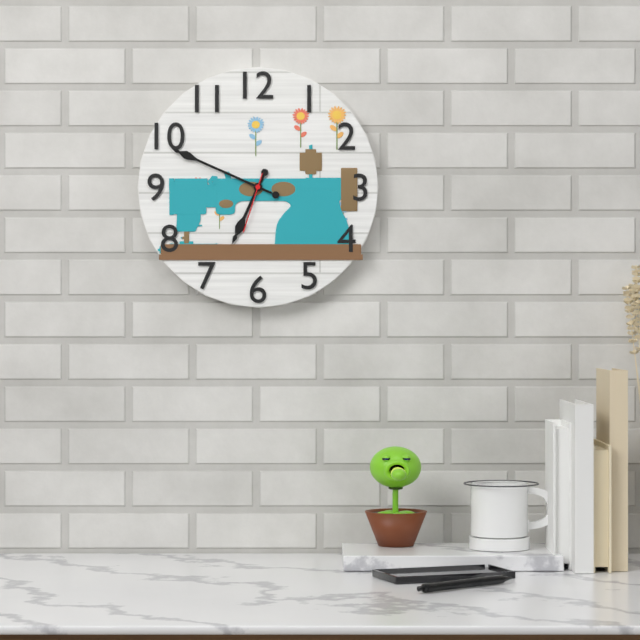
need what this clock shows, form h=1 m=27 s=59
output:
h=6 m=49 s=33
